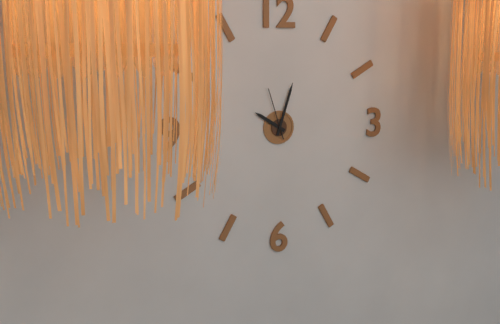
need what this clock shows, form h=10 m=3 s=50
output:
h=10 m=3 s=57
